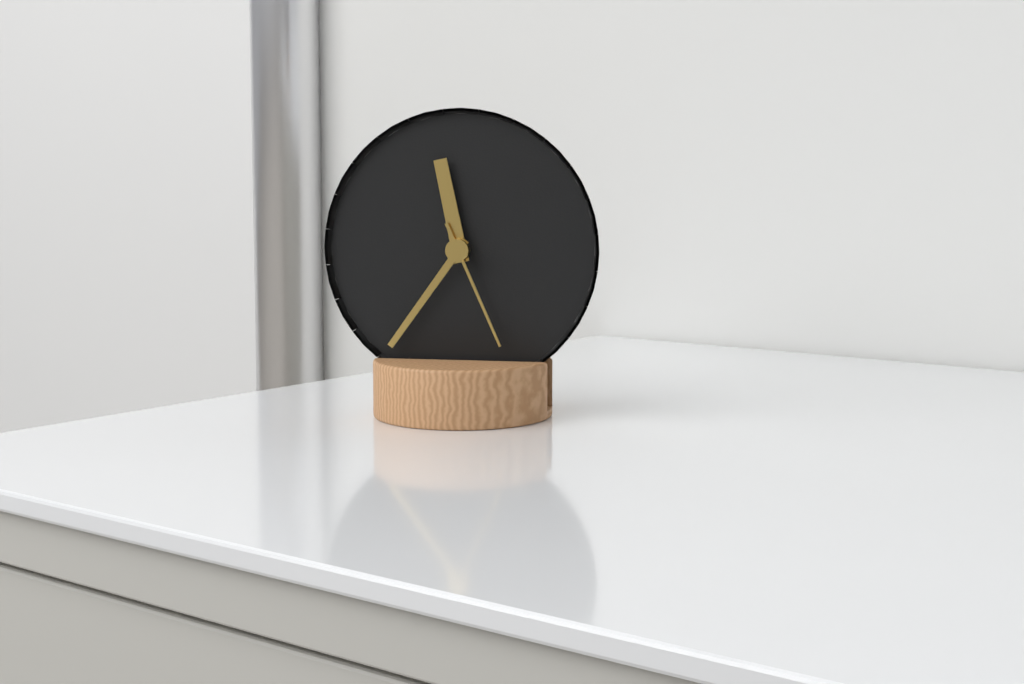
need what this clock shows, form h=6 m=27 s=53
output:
h=11 m=36 s=26
